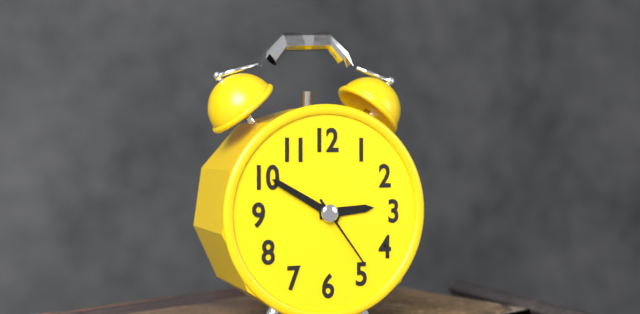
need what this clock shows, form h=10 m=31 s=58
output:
h=2 m=50 s=24
